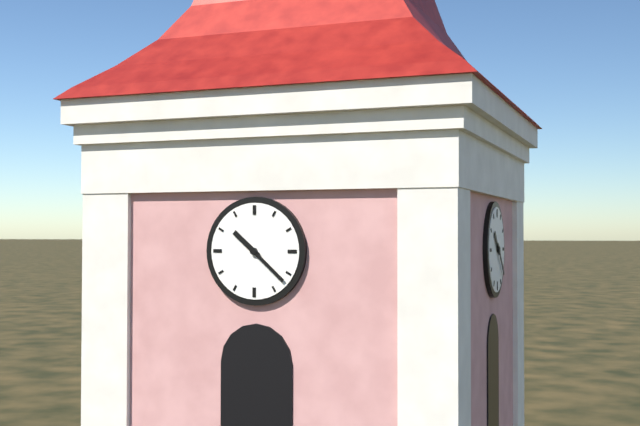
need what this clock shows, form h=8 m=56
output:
h=10 m=22
